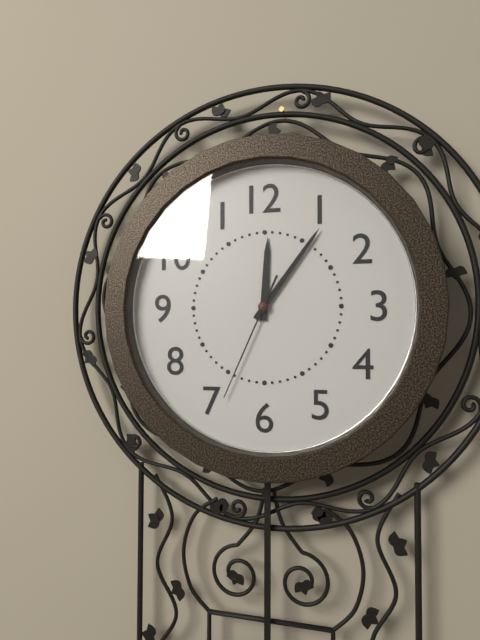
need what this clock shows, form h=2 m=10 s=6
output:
h=12 m=6 s=34
